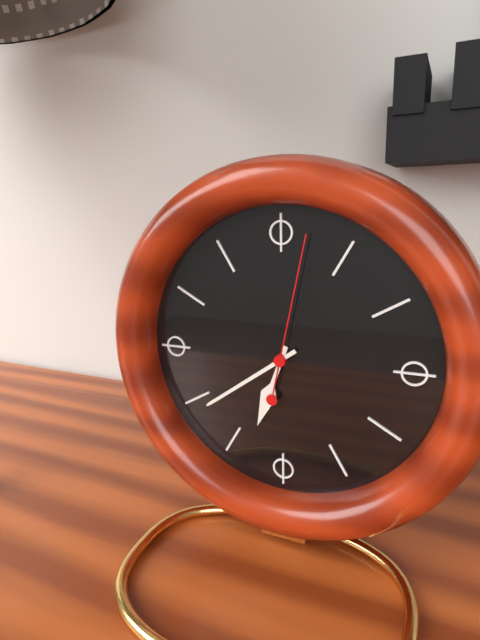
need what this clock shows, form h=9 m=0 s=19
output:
h=6 m=39 s=2
